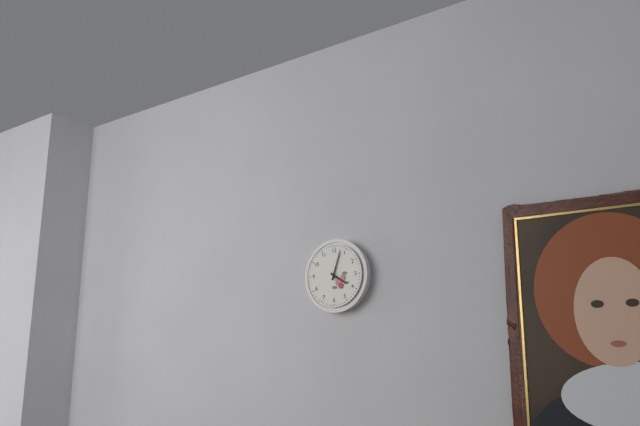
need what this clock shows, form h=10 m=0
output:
h=4 m=3
